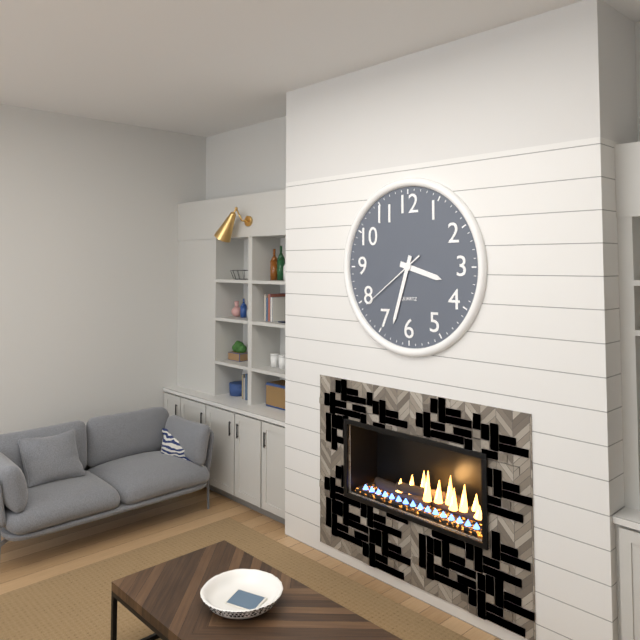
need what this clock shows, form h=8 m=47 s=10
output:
h=3 m=33 s=39
